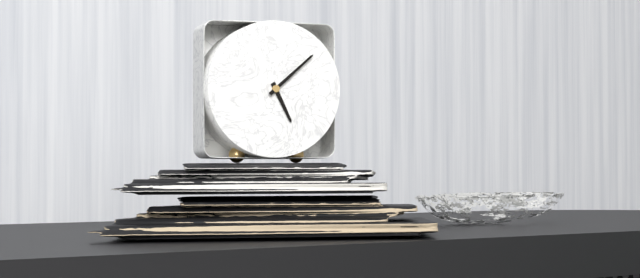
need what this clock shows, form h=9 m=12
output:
h=5 m=8
